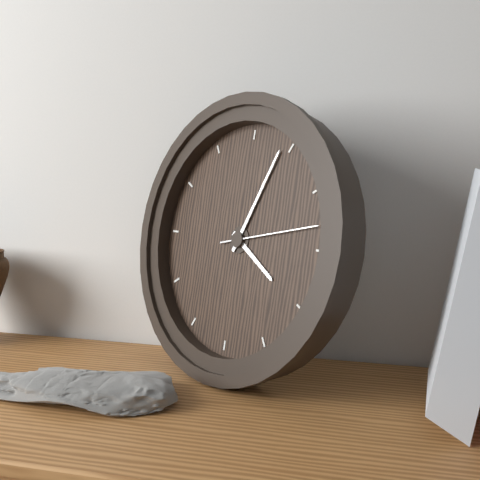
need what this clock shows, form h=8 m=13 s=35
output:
h=4 m=4 s=13
